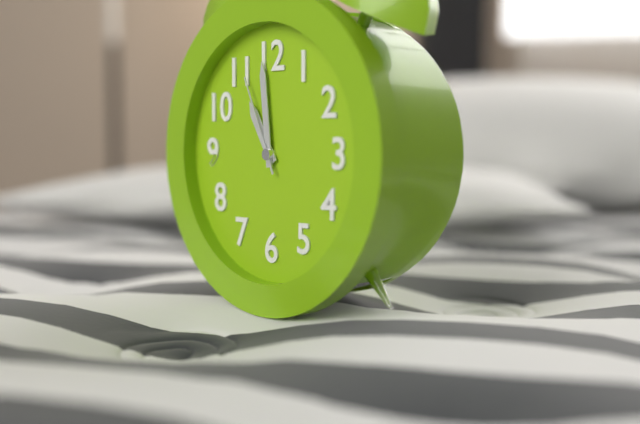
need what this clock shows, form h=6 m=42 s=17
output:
h=10 m=59 s=56
